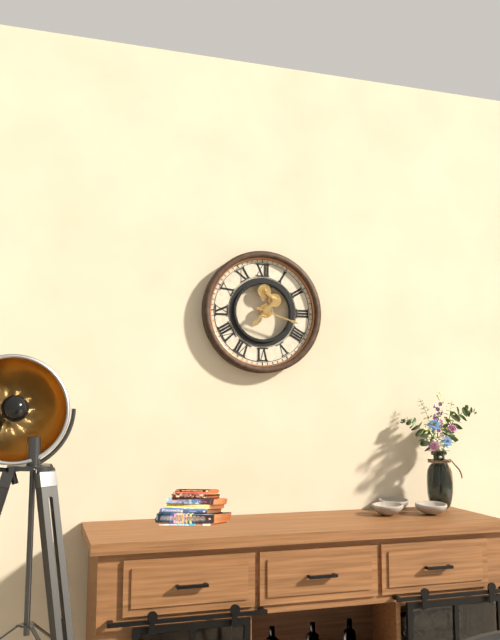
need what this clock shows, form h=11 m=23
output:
h=7 m=18
